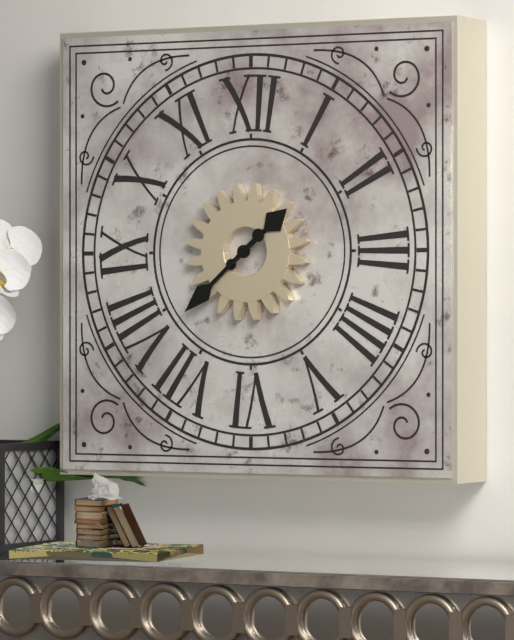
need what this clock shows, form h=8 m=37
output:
h=1 m=38
